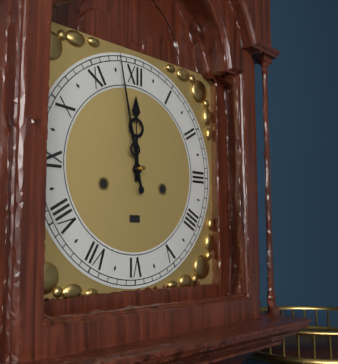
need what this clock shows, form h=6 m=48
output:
h=11 m=58
